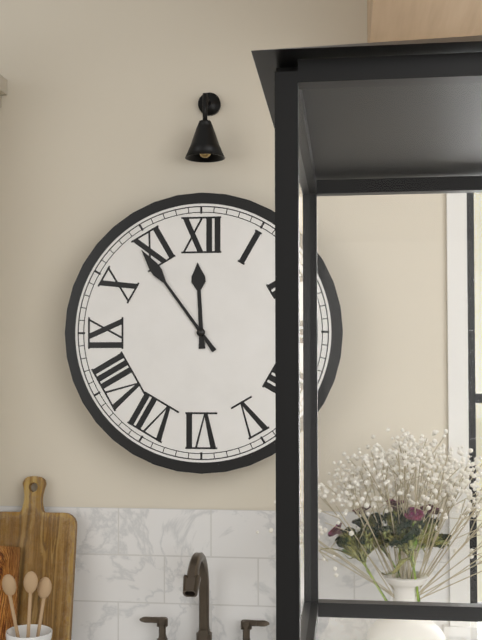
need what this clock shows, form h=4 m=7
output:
h=11 m=54
